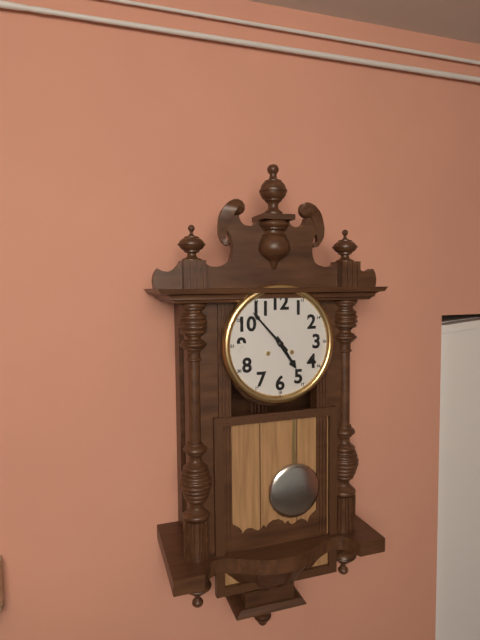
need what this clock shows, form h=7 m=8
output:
h=4 m=53
